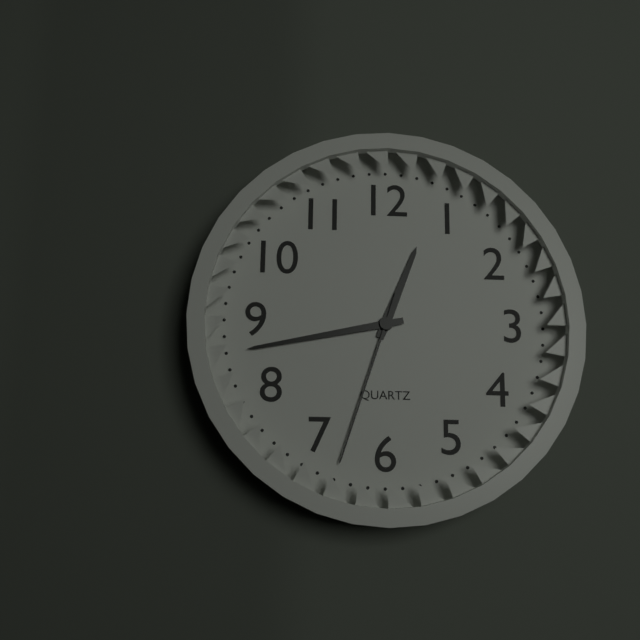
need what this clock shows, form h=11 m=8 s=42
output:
h=12 m=43 s=33
